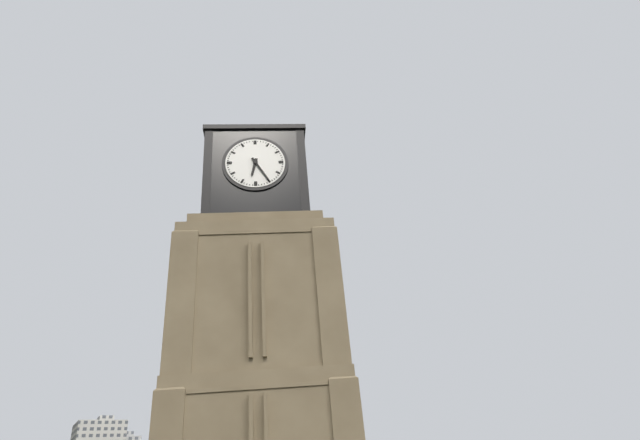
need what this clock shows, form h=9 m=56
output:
h=6 m=25
